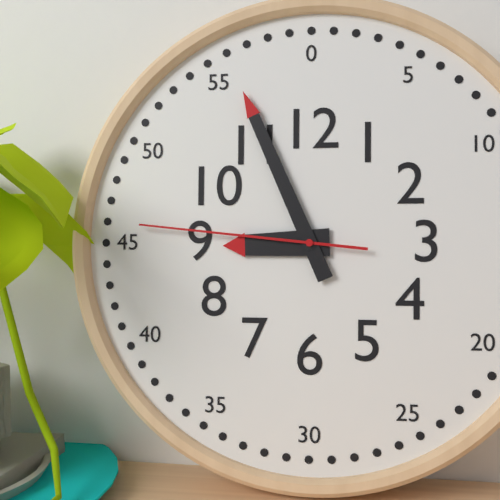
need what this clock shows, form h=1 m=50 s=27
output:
h=8 m=56 s=46
